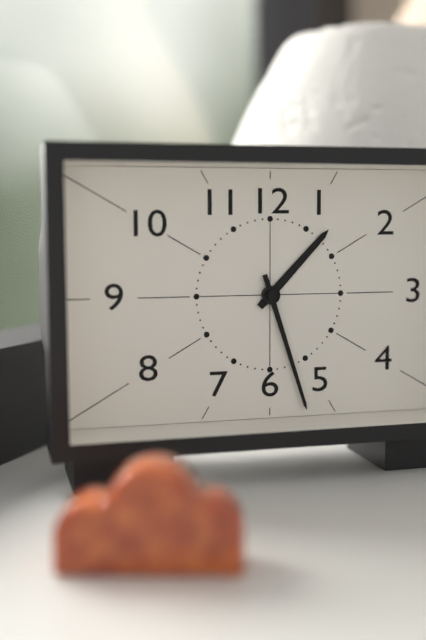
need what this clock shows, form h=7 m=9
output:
h=1 m=27
